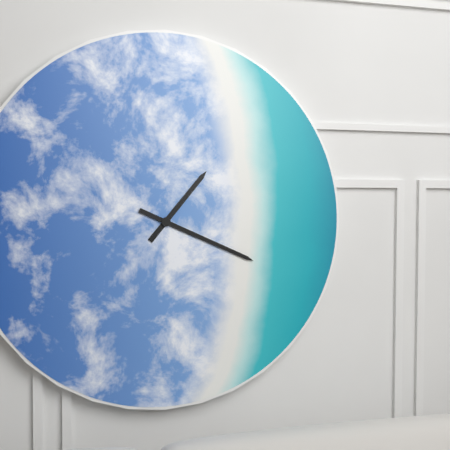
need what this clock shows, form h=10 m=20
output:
h=1 m=19
